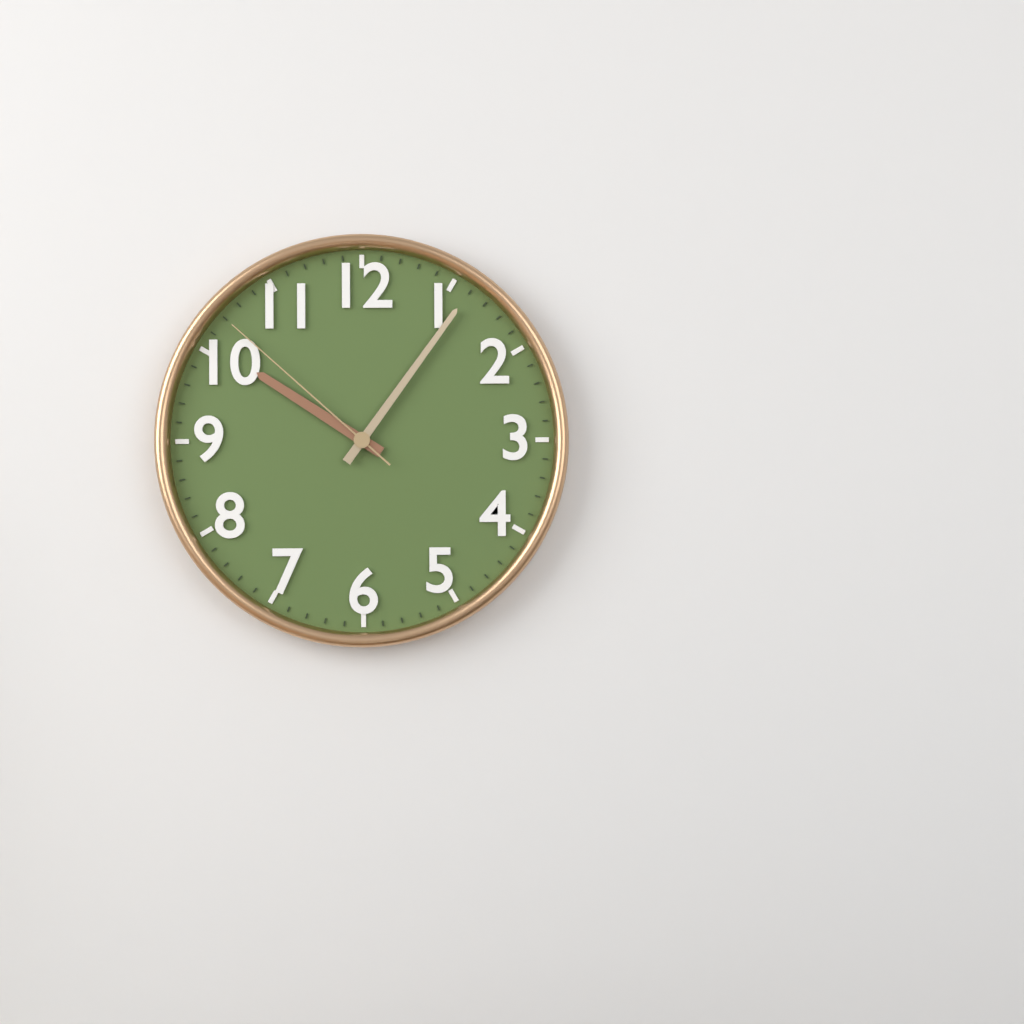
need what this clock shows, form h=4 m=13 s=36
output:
h=10 m=6 s=52
